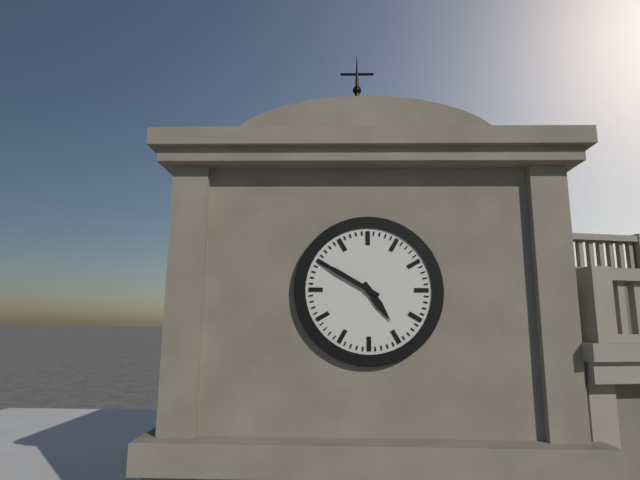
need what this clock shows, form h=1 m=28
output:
h=4 m=50
